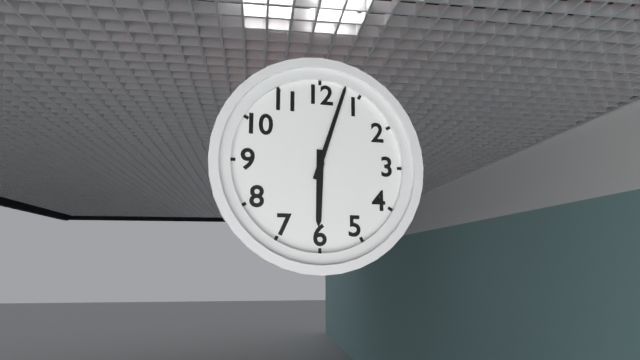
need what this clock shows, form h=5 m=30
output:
h=6 m=3
